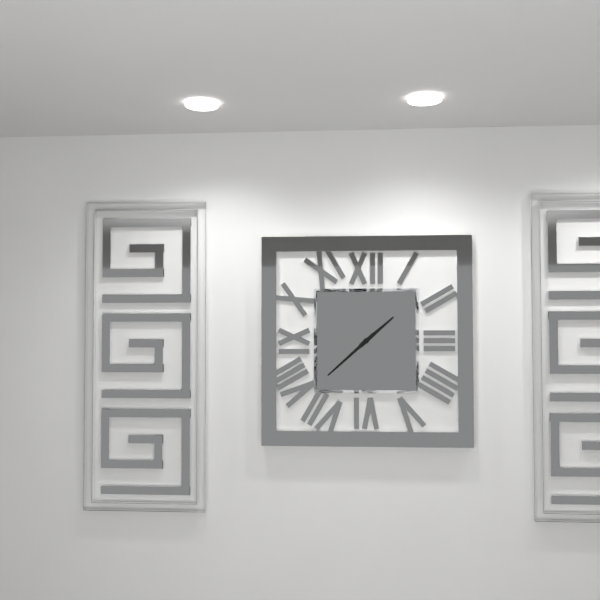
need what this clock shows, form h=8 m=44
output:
h=1 m=38
